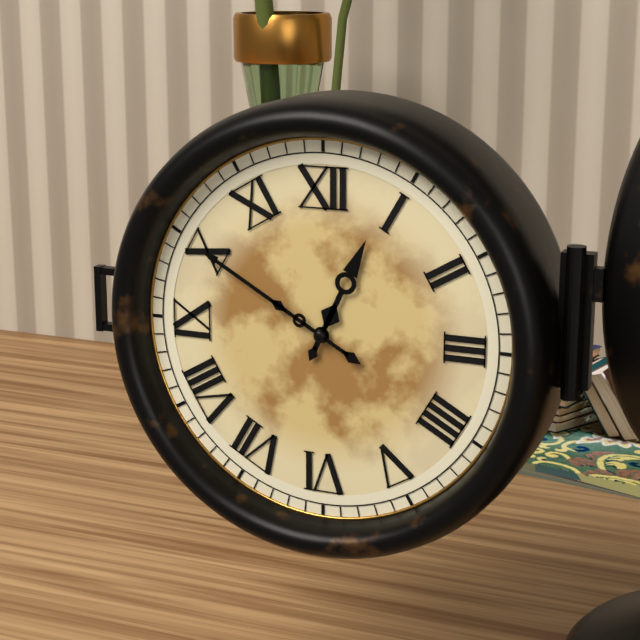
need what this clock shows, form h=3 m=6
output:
h=12 m=50
